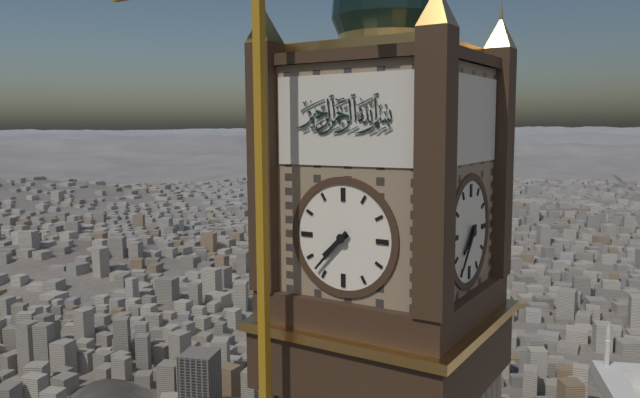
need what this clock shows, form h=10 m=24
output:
h=7 m=37
